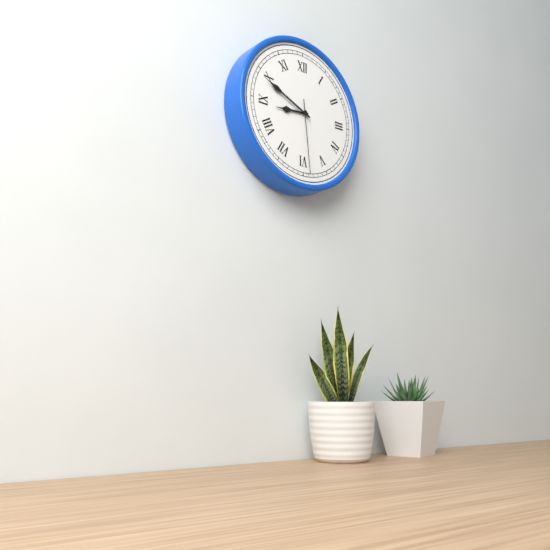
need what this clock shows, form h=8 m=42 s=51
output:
h=8 m=49 s=29
